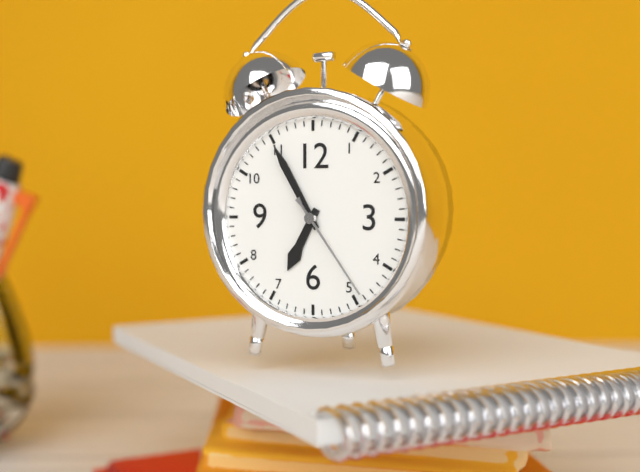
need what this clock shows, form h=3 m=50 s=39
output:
h=6 m=55 s=24
